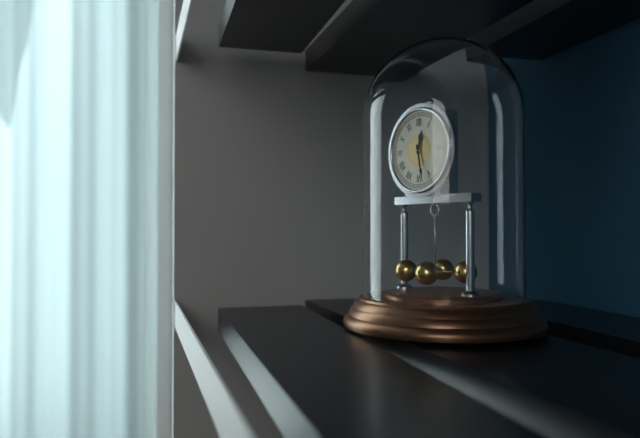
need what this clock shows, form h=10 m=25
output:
h=12 m=28
